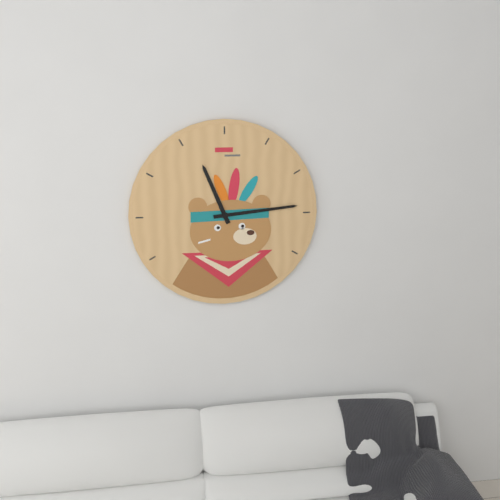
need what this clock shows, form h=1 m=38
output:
h=11 m=14
